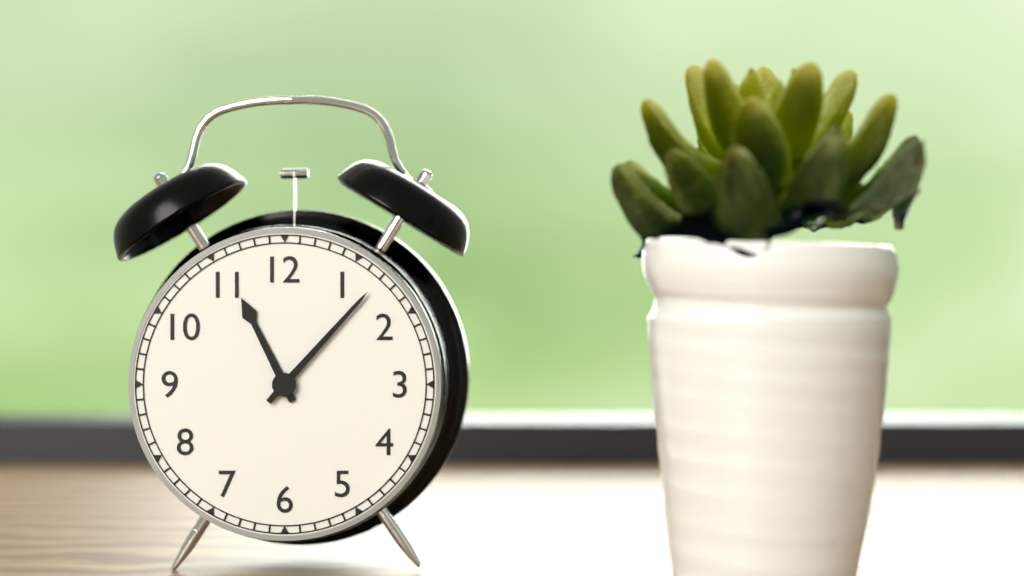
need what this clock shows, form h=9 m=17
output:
h=11 m=7
